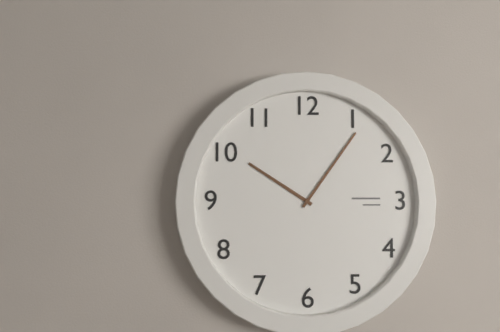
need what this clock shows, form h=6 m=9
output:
h=10 m=6
